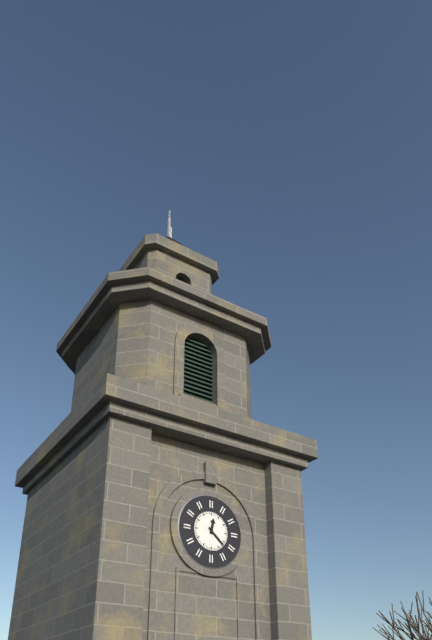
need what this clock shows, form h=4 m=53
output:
h=12 m=22
